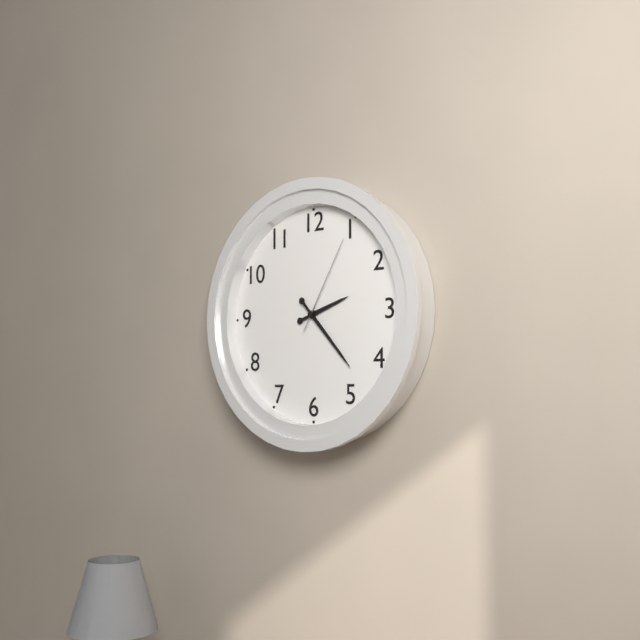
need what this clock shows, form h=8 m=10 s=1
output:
h=2 m=23 s=5
